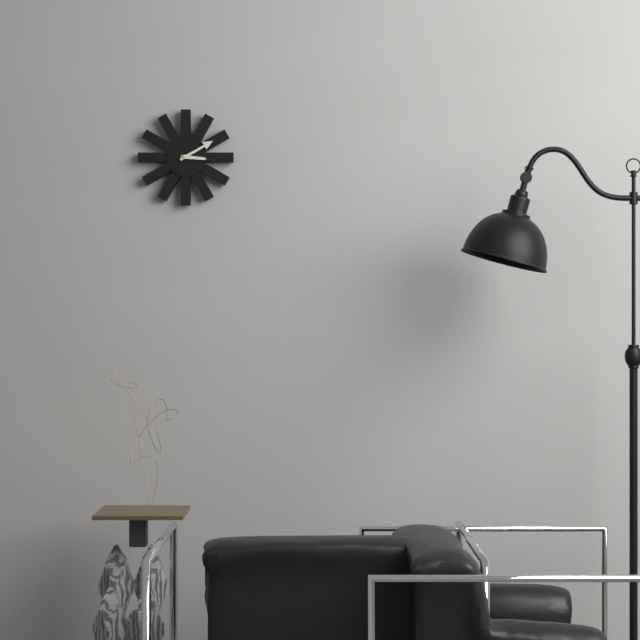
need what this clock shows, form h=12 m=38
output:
h=3 m=10
